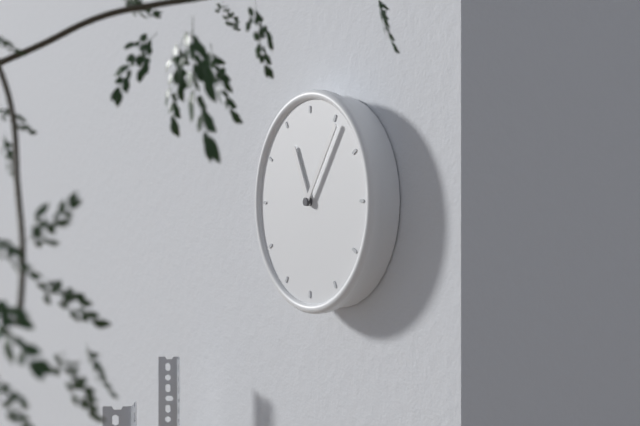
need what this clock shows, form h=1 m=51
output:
h=11 m=6
